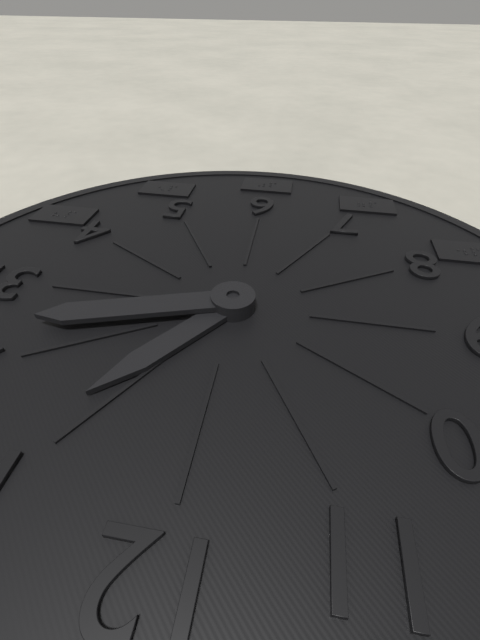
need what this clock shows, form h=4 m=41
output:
h=1 m=12
